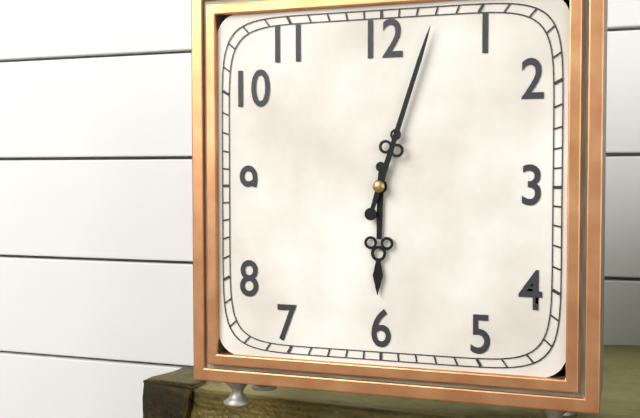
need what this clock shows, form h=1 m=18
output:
h=6 m=3
